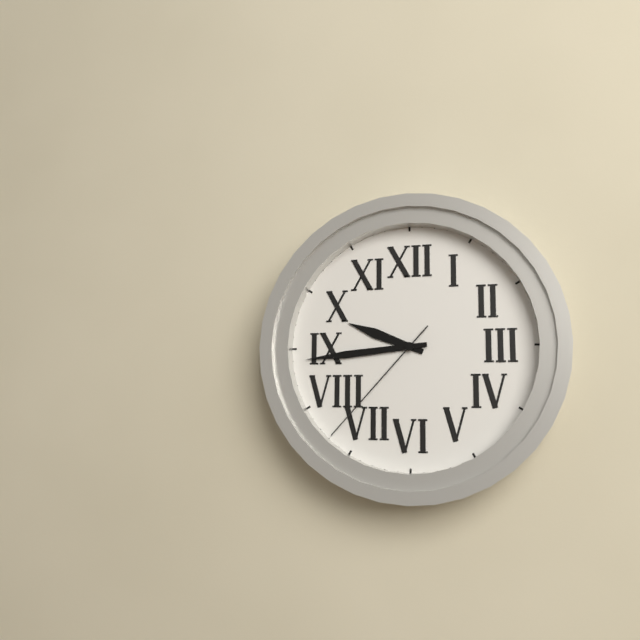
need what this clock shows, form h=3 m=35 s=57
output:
h=9 m=44 s=37
